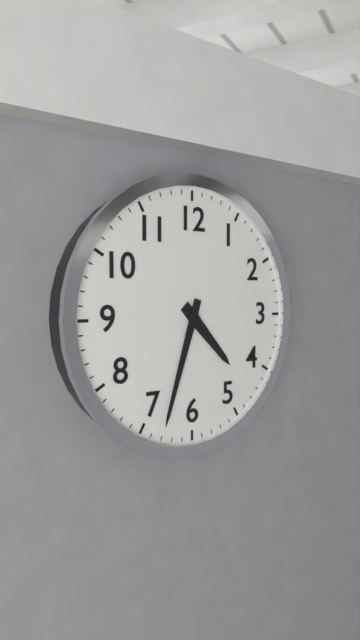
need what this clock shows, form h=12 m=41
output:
h=4 m=33
